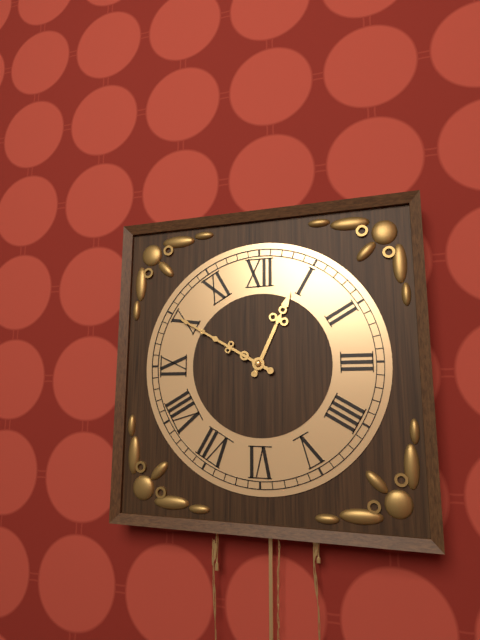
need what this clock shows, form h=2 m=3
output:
h=12 m=50
